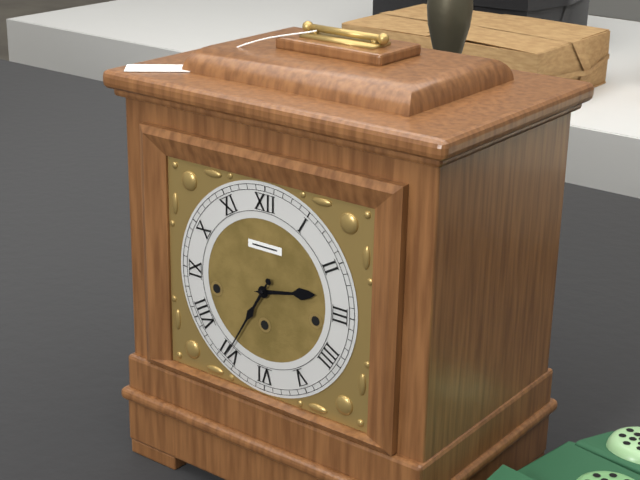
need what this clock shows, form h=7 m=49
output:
h=2 m=35
